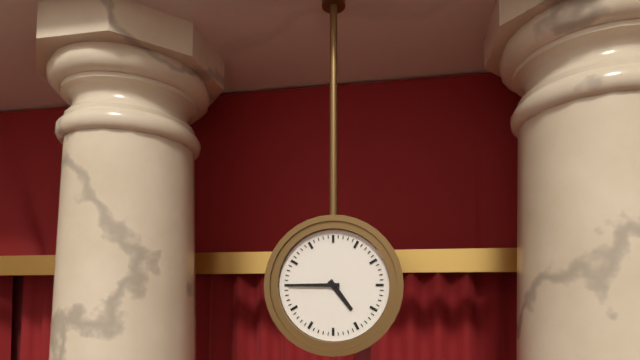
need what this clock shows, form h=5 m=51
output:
h=4 m=45
